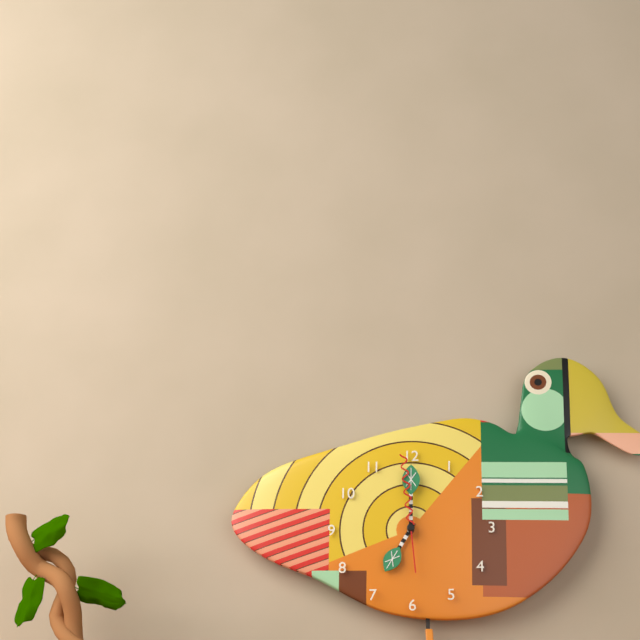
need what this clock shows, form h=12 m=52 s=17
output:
h=7 m=0 s=59
